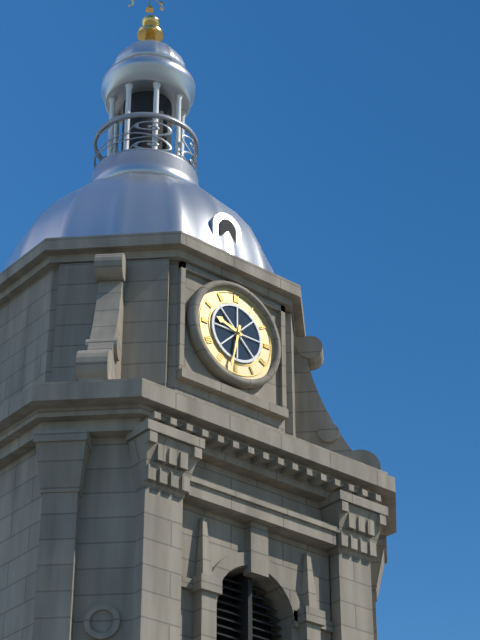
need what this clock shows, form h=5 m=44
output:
h=9 m=32
